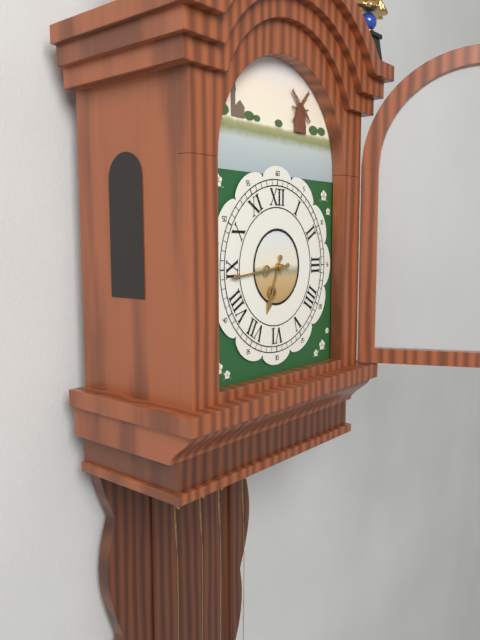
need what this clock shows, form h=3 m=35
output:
h=6 m=44
